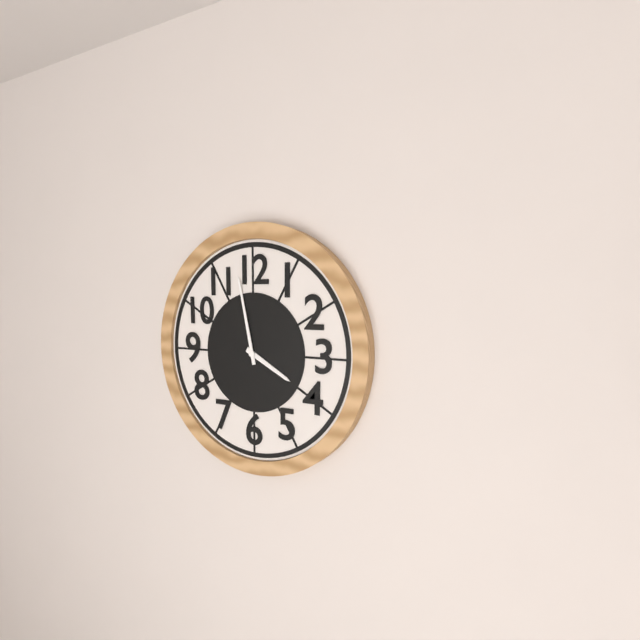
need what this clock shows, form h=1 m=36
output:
h=3 m=58
